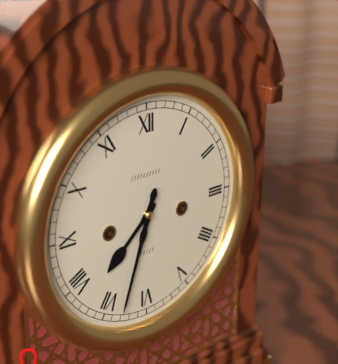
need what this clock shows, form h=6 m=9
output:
h=7 m=33
